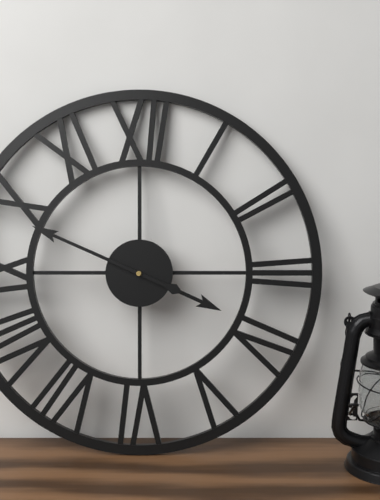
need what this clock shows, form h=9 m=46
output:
h=3 m=49
